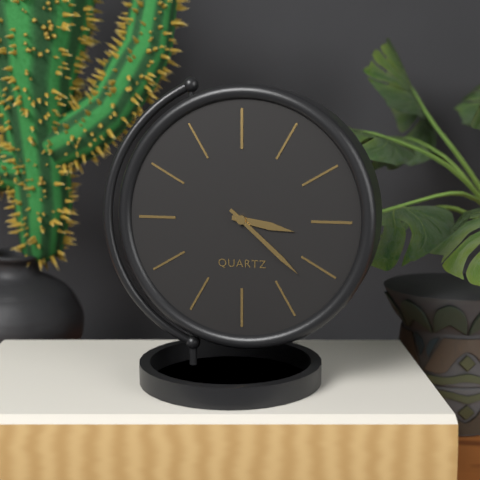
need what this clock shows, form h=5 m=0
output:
h=3 m=22
